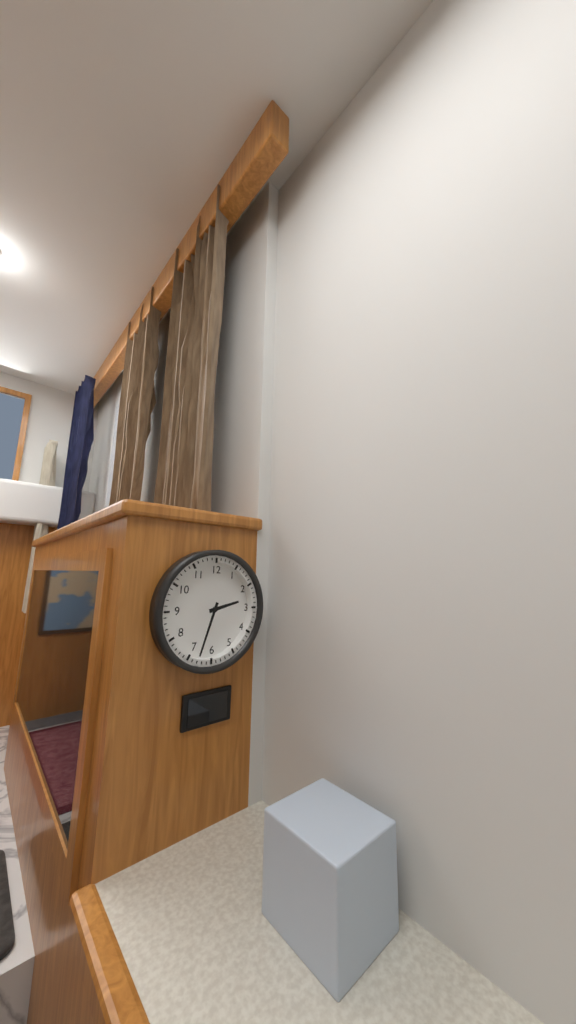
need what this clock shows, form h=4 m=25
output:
h=2 m=33
